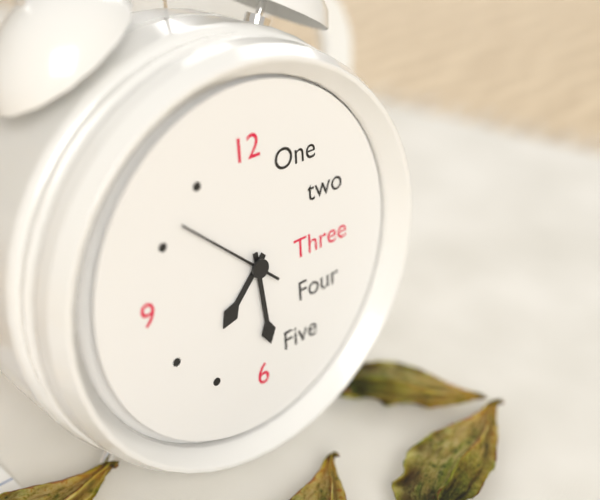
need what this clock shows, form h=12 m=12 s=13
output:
h=7 m=29 s=52
